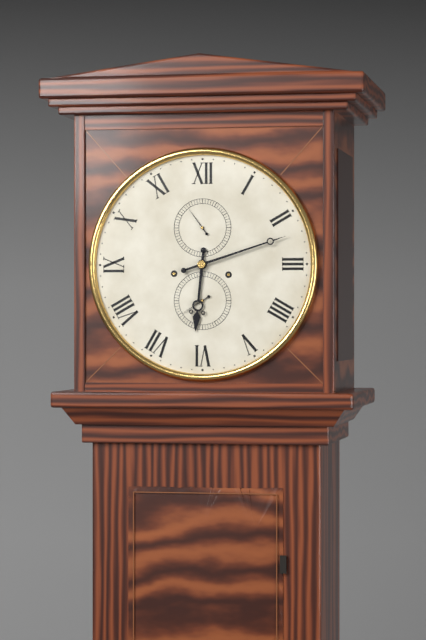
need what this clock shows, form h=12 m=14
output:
h=6 m=12
